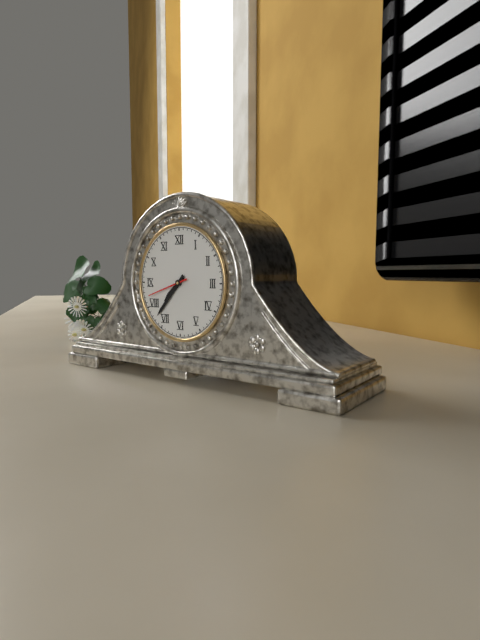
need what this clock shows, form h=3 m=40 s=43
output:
h=7 m=37 s=42
